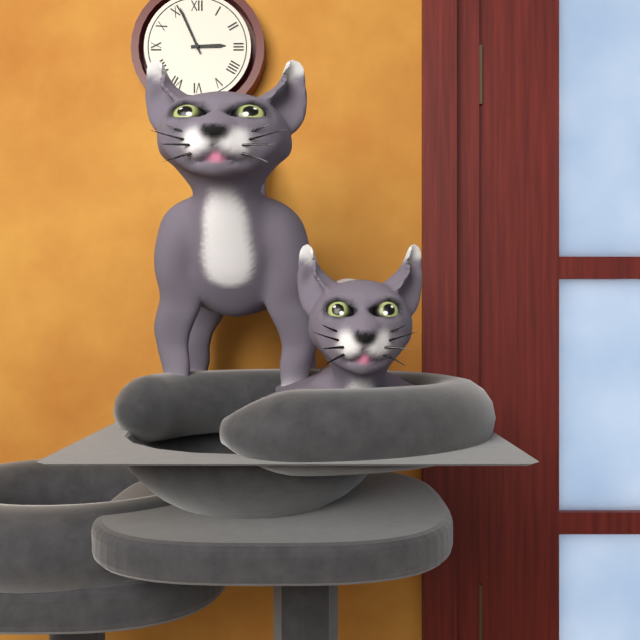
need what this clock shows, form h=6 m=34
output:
h=2 m=56
